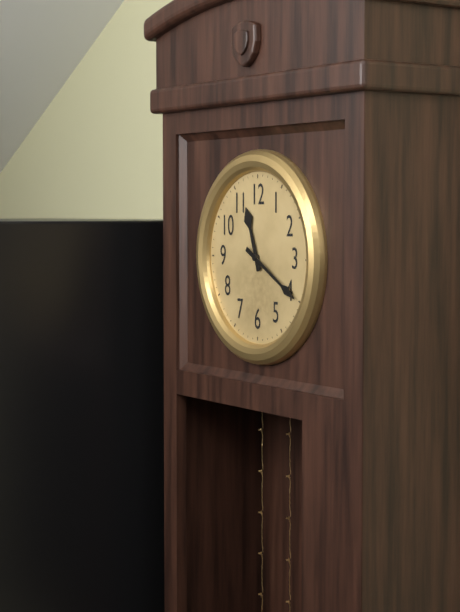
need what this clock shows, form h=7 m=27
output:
h=11 m=20
